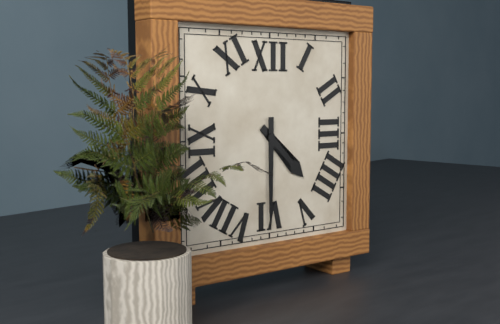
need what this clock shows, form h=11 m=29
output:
h=4 m=30
